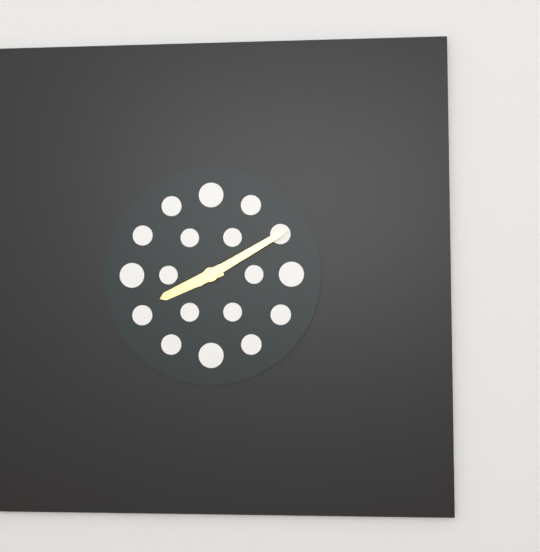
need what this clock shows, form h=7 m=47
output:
h=8 m=10
